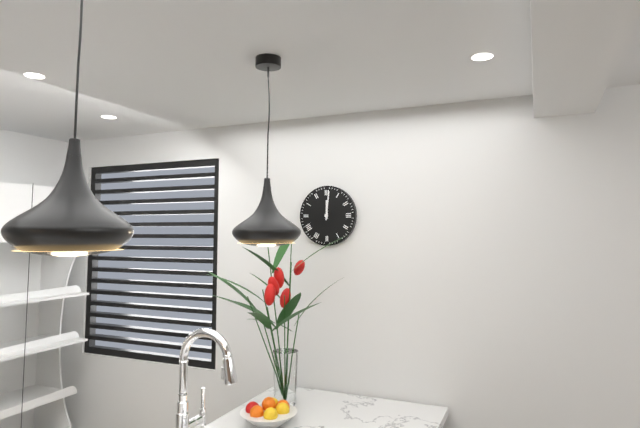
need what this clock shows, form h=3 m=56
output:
h=12 m=1
